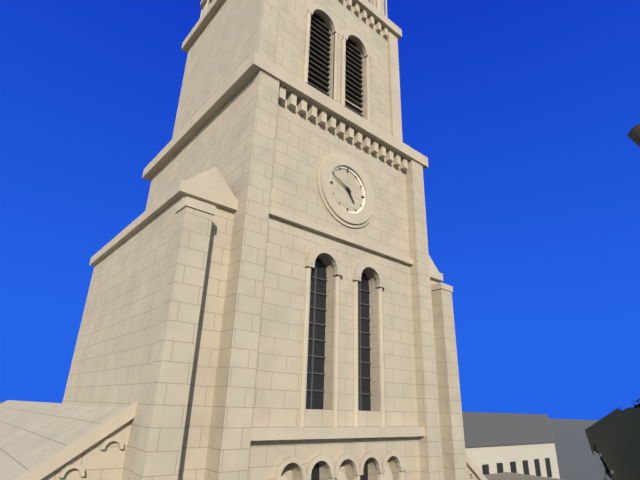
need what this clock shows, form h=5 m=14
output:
h=4 m=49
